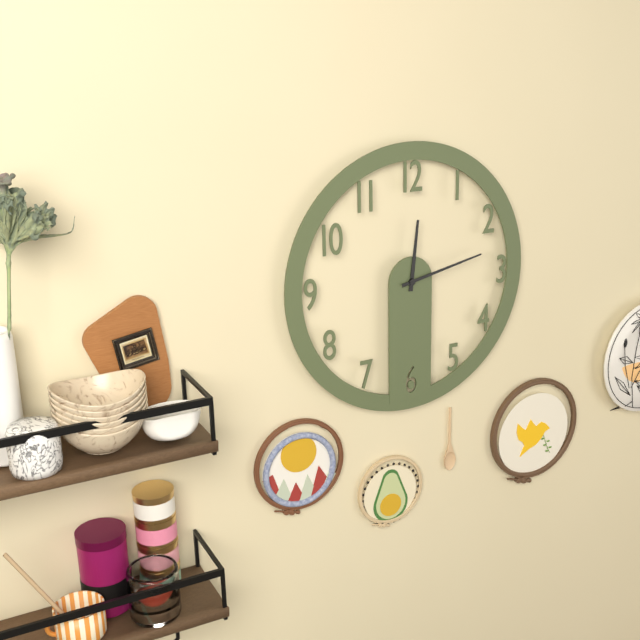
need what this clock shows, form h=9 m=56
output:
h=12 m=13
